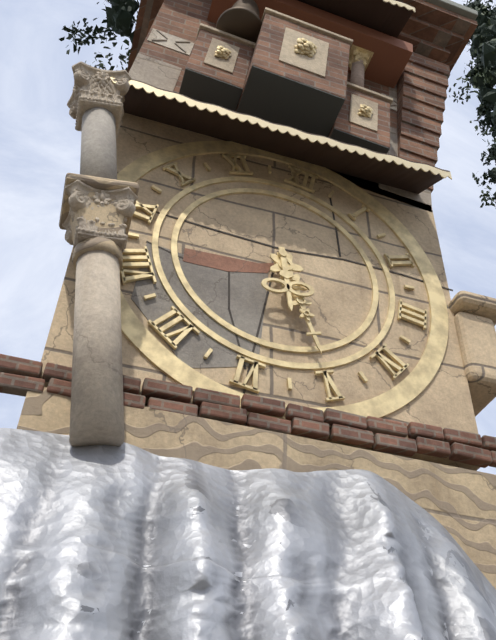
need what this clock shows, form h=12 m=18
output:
h=5 m=25
